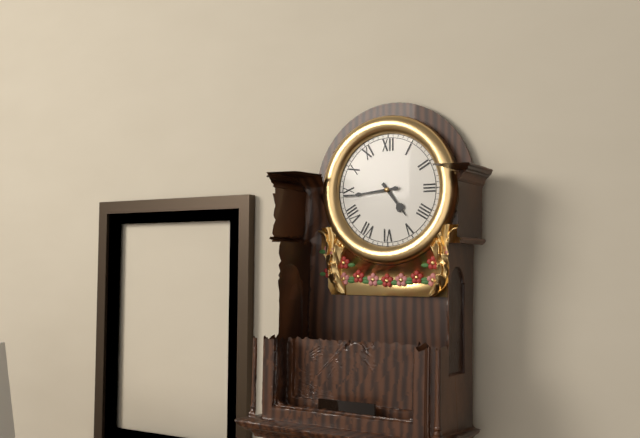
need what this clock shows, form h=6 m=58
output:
h=4 m=44
